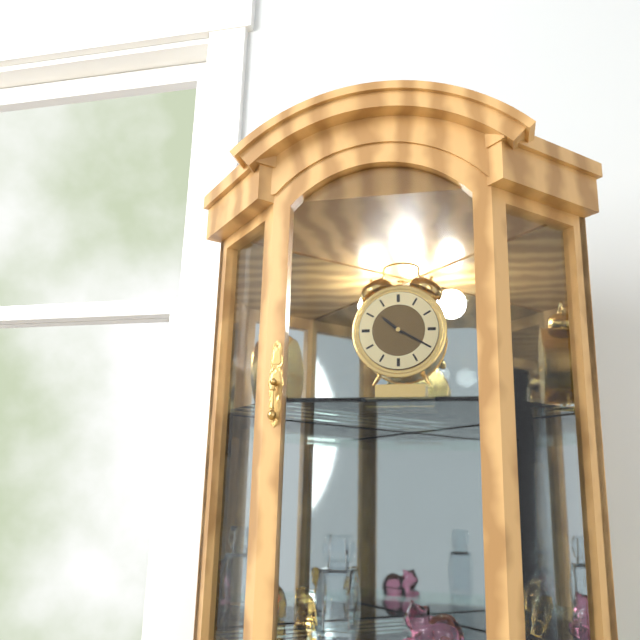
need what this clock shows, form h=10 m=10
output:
h=10 m=20
